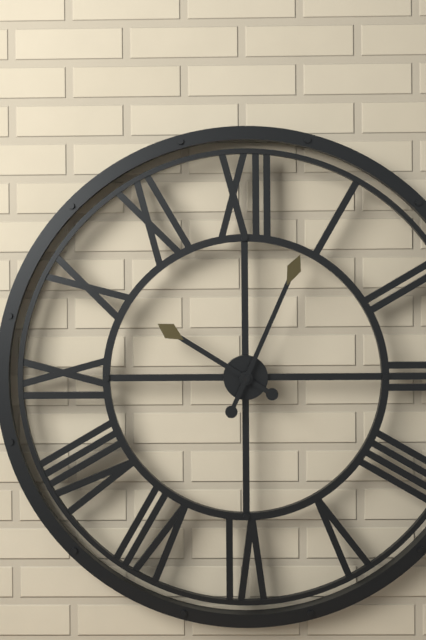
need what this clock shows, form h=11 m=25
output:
h=10 m=4
